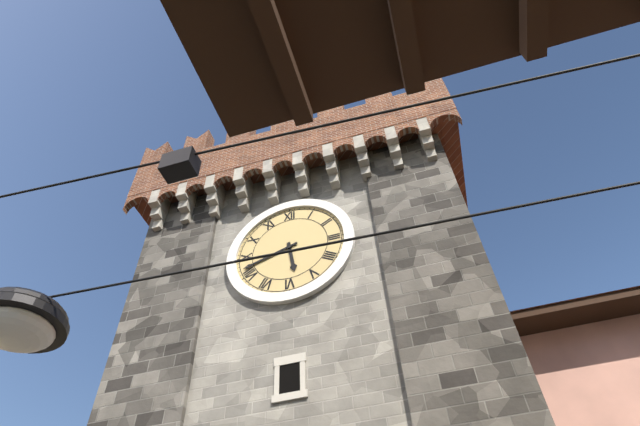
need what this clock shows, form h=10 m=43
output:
h=5 m=42
